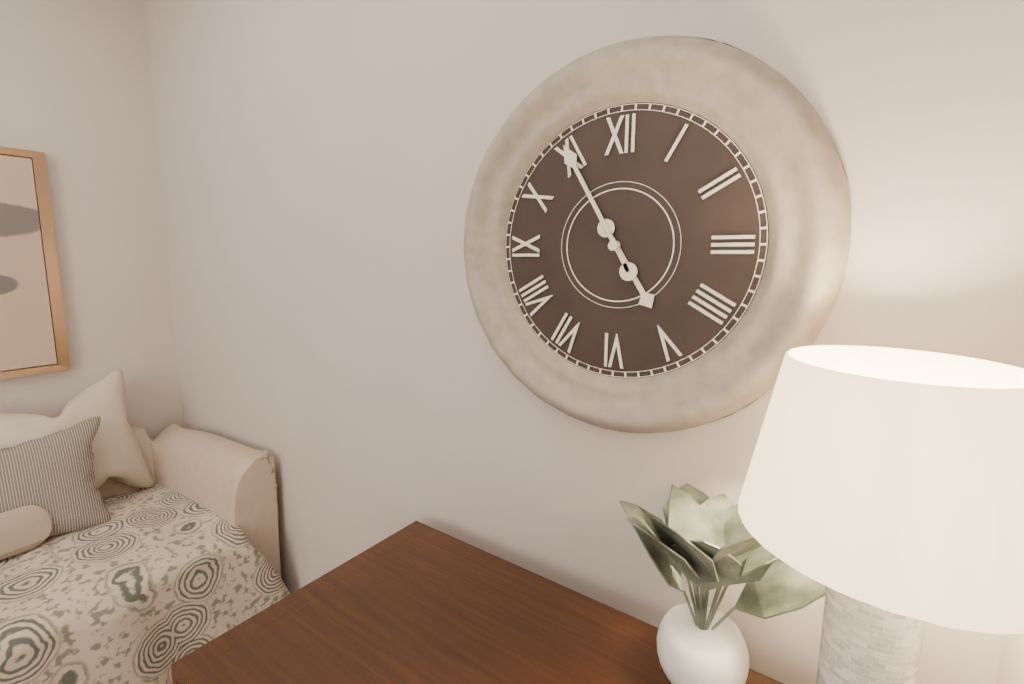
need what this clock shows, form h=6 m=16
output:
h=4 m=55
